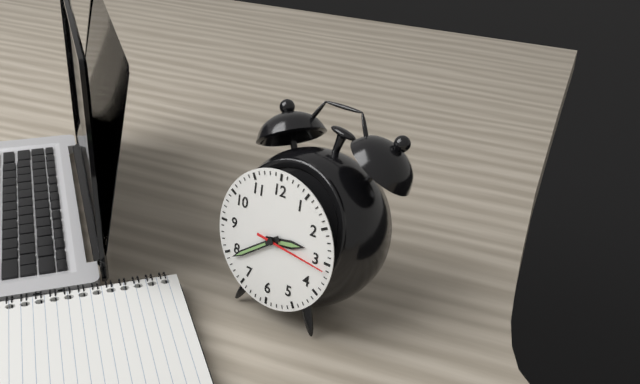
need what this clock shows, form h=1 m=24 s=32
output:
h=2 m=39 s=16
